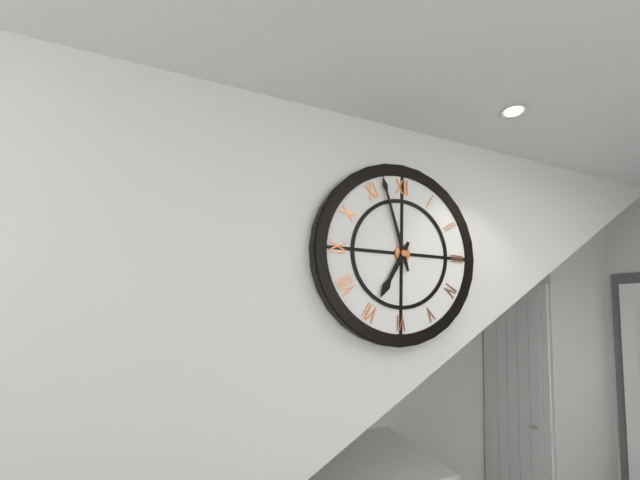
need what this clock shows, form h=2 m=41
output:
h=6 m=57
